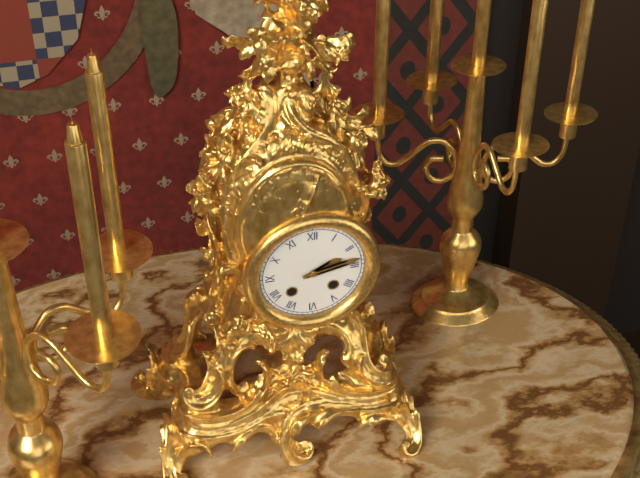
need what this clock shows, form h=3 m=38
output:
h=2 m=13
